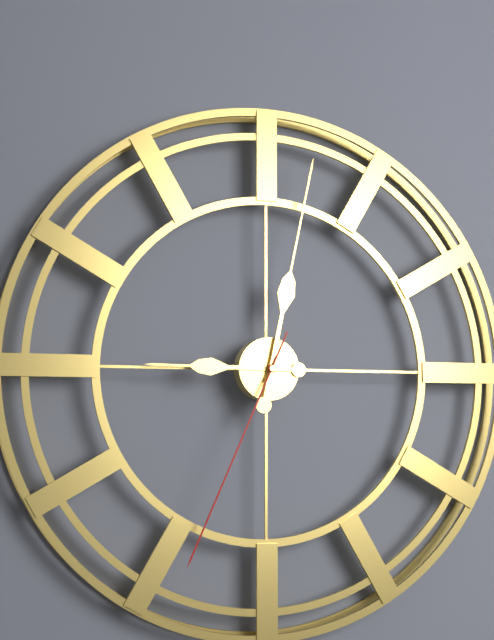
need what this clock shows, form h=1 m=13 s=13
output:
h=9 m=2 s=34
